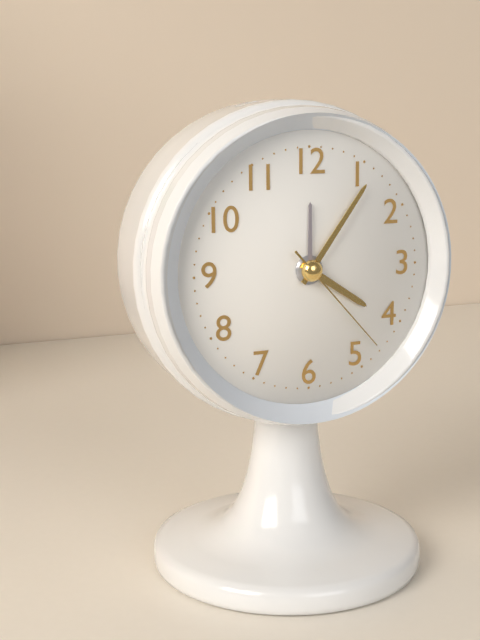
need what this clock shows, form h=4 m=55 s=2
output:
h=4 m=6 s=23
